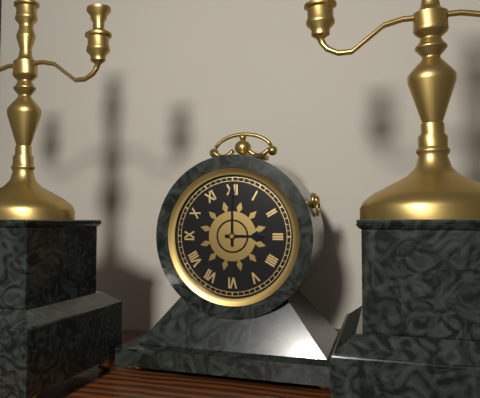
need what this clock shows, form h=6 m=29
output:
h=3 m=0
